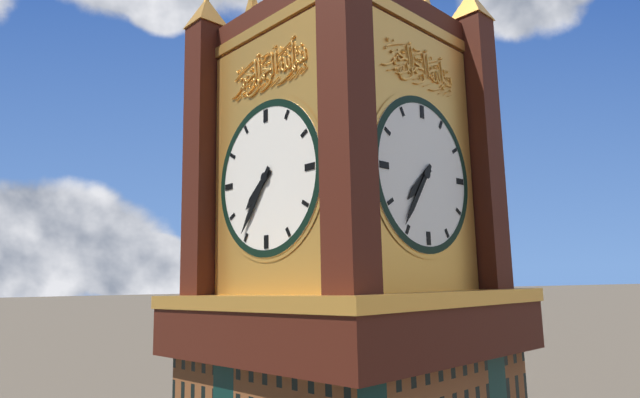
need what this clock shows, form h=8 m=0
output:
h=7 m=36
